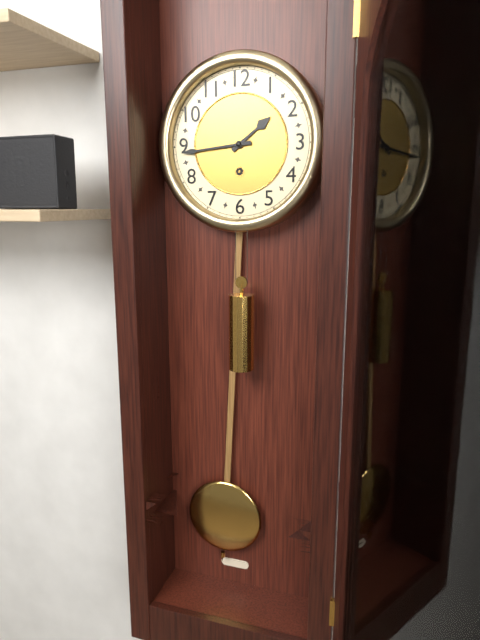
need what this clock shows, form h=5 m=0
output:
h=1 m=44
